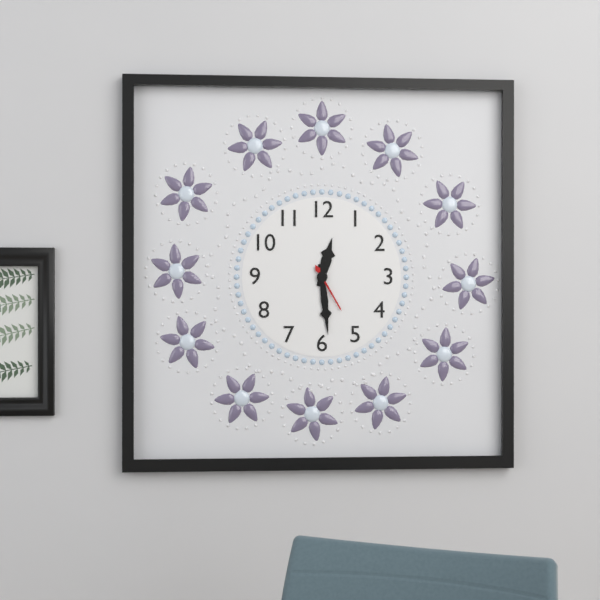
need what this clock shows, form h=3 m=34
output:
h=12 m=29
